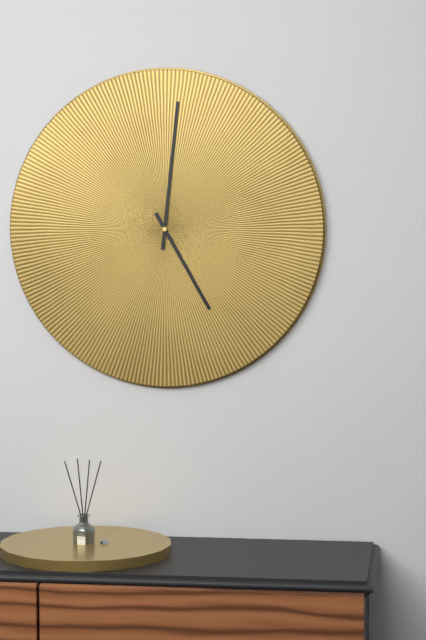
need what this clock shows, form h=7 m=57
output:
h=5 m=1
